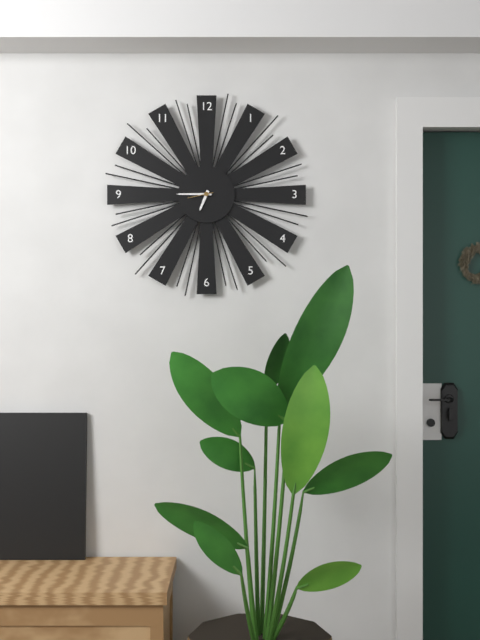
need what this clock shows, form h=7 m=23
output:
h=6 m=45
